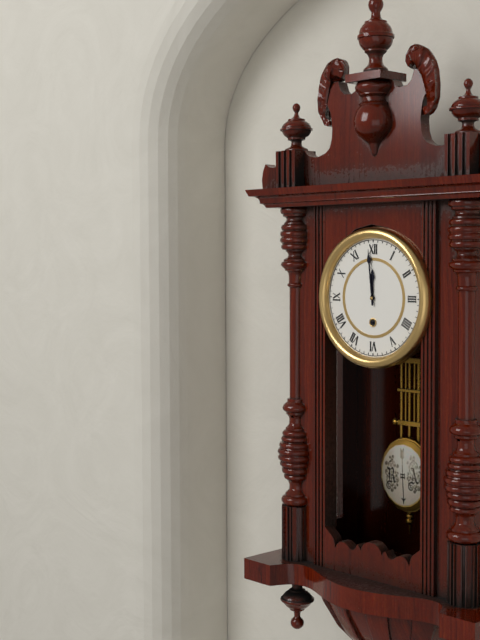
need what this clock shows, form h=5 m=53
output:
h=11 m=59
